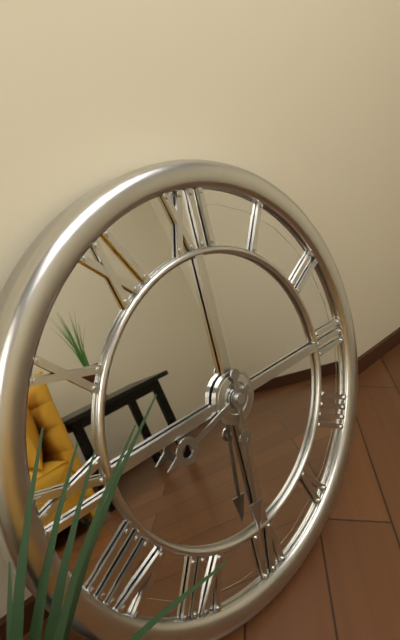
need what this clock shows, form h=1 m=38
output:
h=8 m=31
